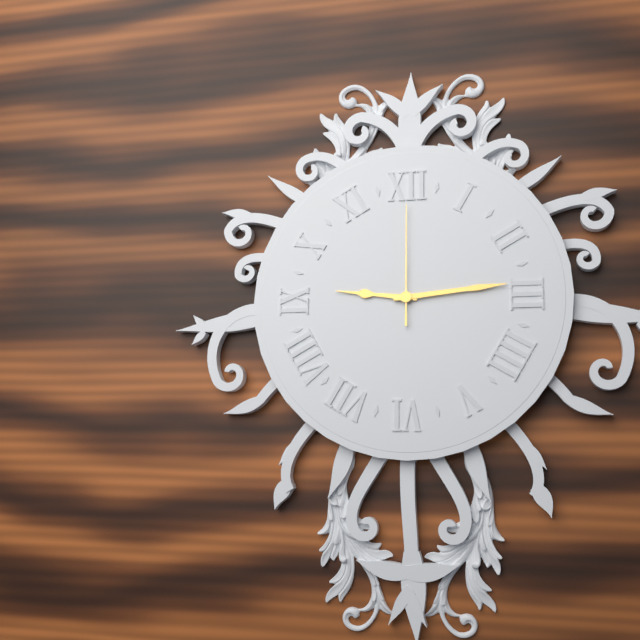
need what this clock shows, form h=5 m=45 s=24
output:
h=9 m=14 s=0
